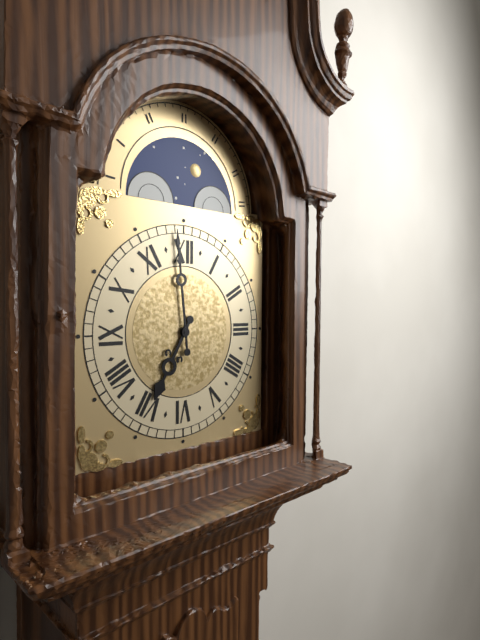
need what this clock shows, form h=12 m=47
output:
h=6 m=59
